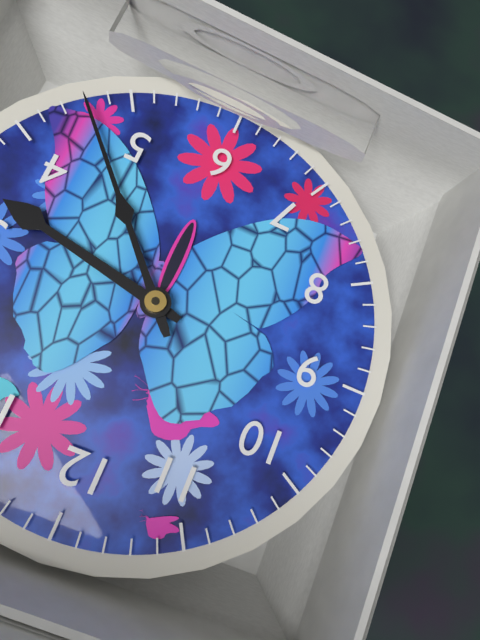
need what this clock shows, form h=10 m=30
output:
h=3 m=23
